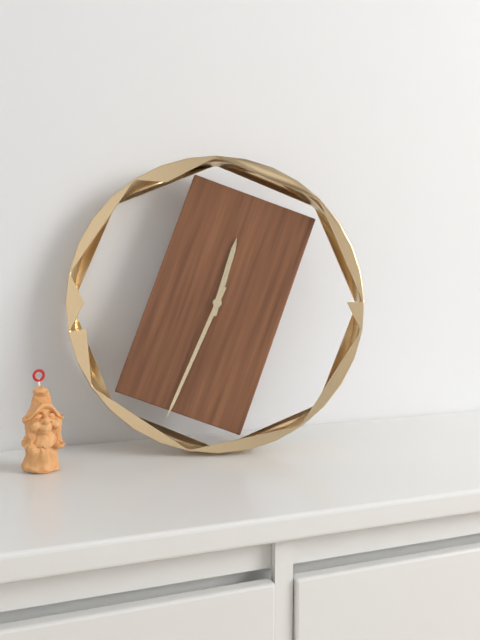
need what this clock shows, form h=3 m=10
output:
h=12 m=34
